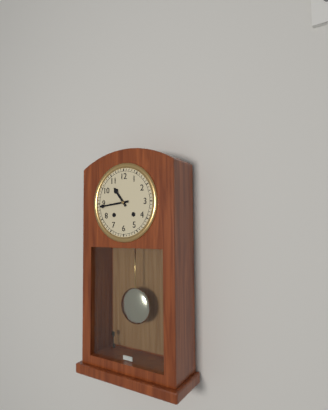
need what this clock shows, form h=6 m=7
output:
h=10 m=44
